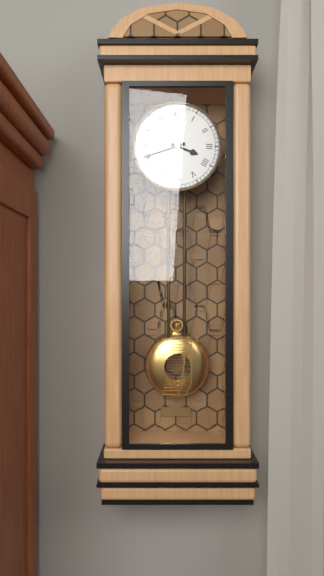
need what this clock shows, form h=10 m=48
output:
h=3 m=42
